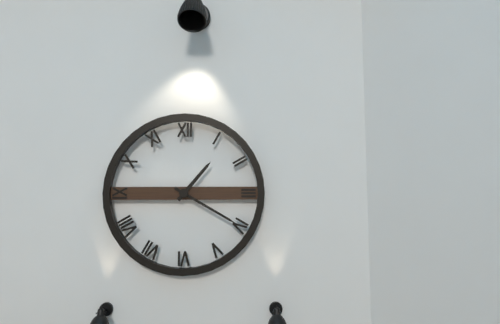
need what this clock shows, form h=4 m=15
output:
h=1 m=20
